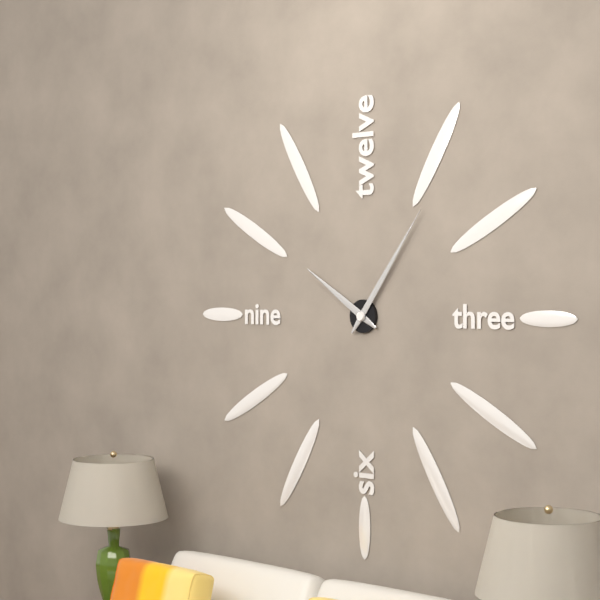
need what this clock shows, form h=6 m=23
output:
h=10 m=6
